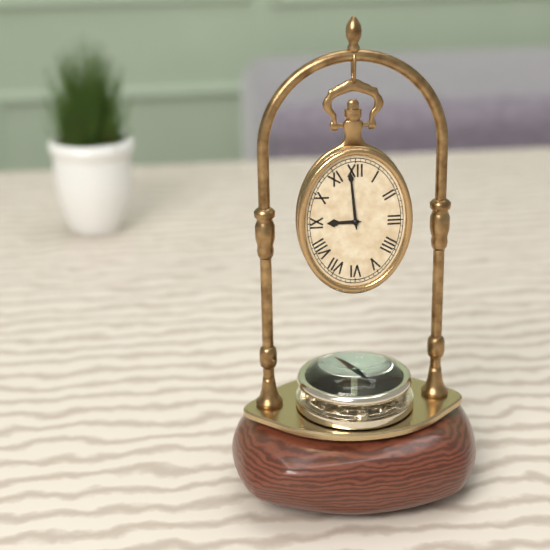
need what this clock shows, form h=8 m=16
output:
h=8 m=59
